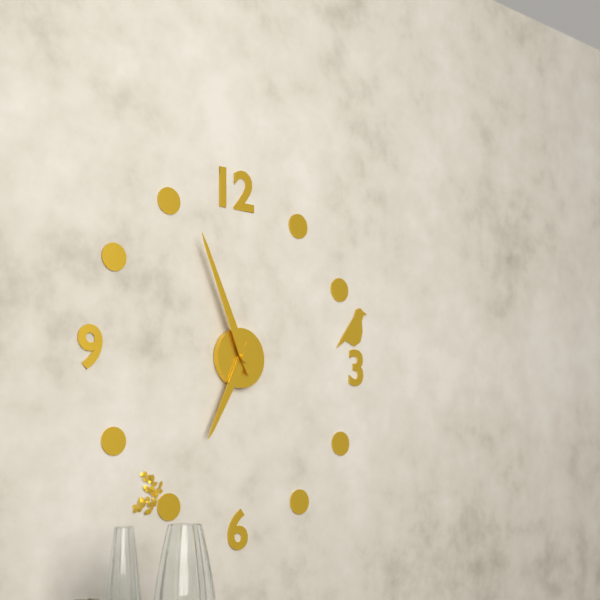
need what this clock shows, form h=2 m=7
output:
h=6 m=56
